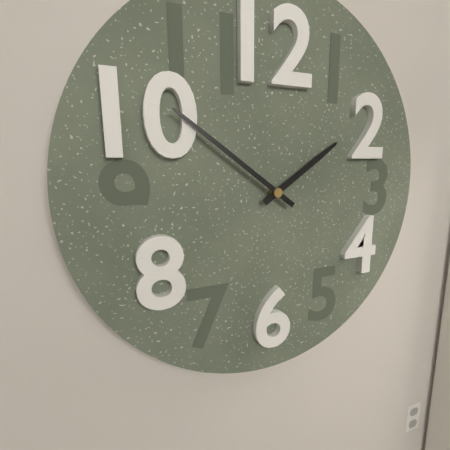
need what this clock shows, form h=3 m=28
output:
h=1 m=51
